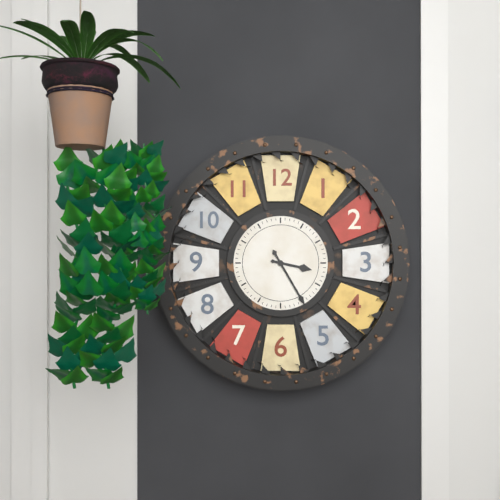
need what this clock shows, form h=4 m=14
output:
h=3 m=25
